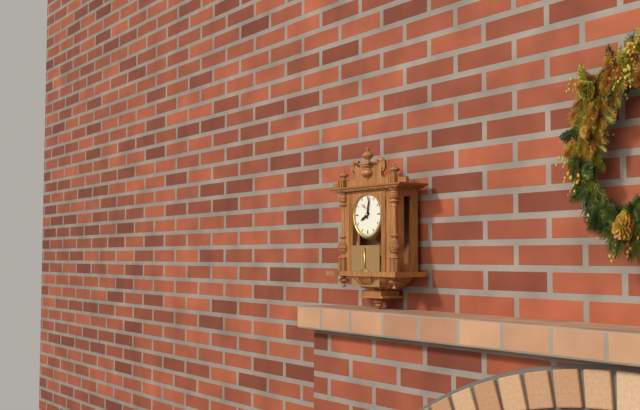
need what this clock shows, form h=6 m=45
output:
h=8 m=2
